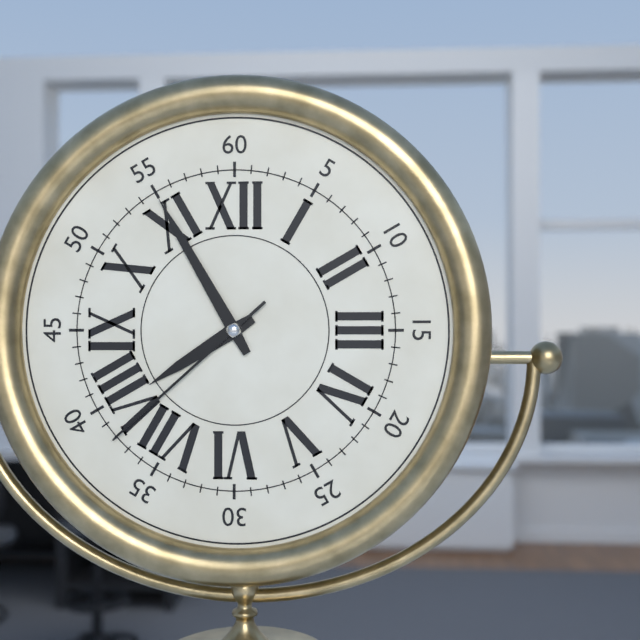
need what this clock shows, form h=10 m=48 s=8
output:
h=7 m=55 s=38
